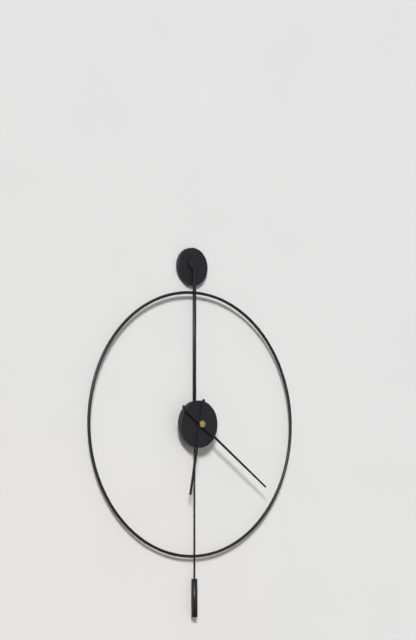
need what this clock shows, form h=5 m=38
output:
h=6 m=21
